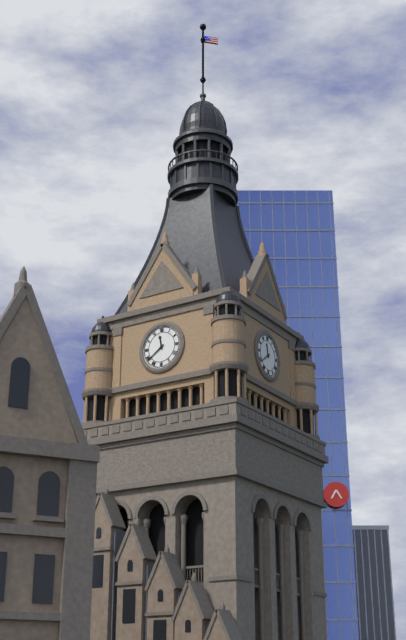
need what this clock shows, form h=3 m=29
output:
h=11 m=39
